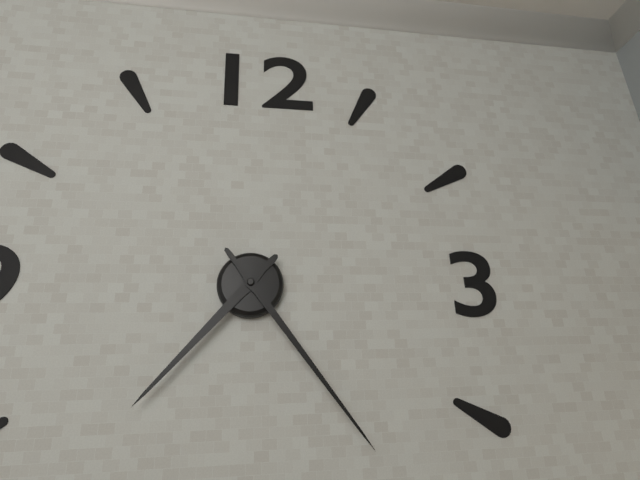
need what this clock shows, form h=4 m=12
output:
h=7 m=24
